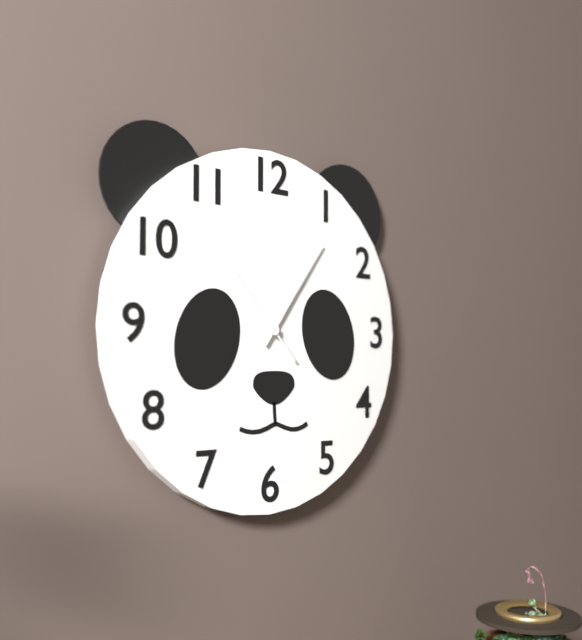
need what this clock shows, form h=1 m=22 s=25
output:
h=1 m=6 s=53
